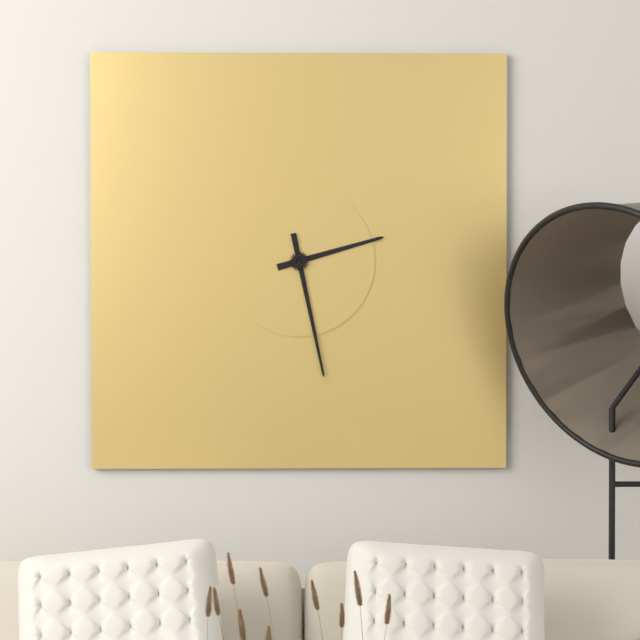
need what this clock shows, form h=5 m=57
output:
h=2 m=28
